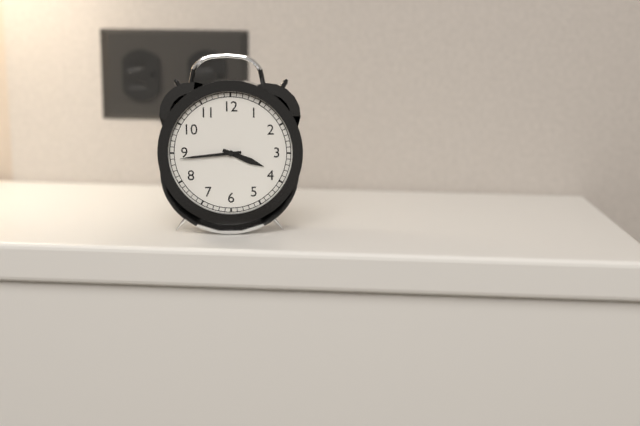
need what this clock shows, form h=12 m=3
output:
h=3 m=44
